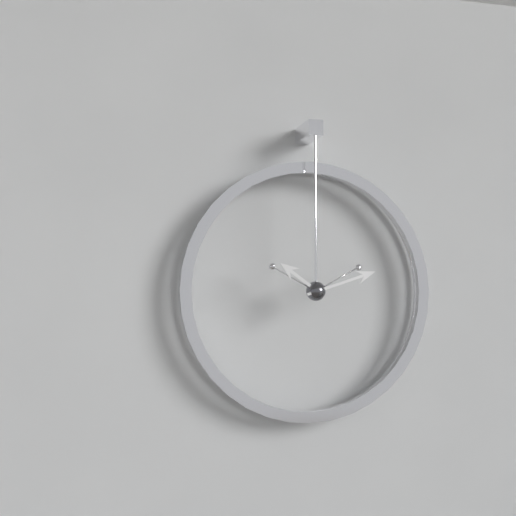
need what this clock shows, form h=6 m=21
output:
h=10 m=12
